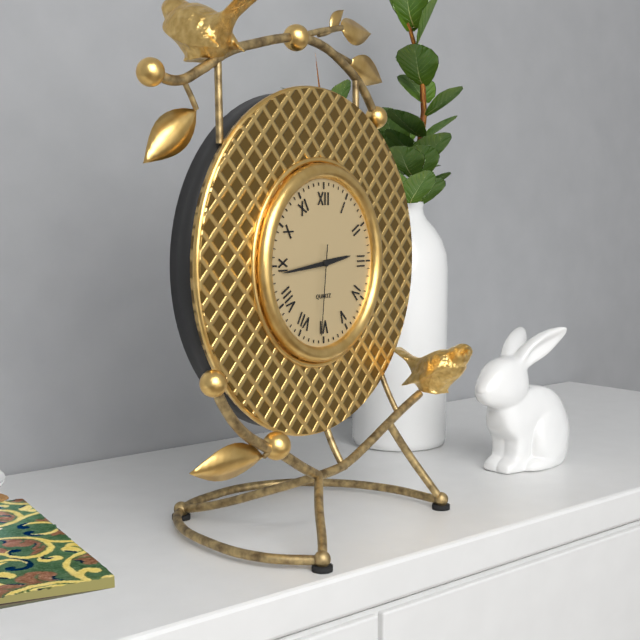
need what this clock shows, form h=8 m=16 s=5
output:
h=2 m=44 s=31
